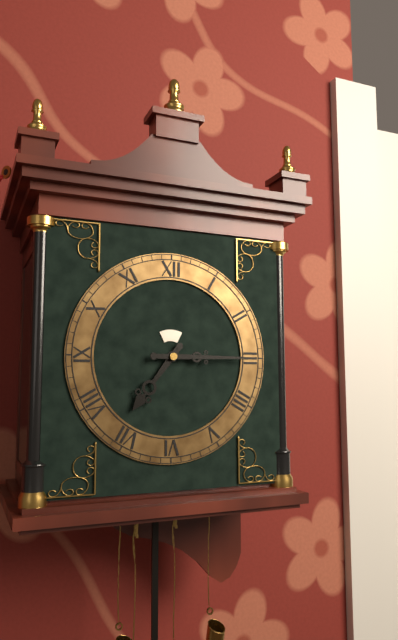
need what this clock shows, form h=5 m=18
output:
h=7 m=15
